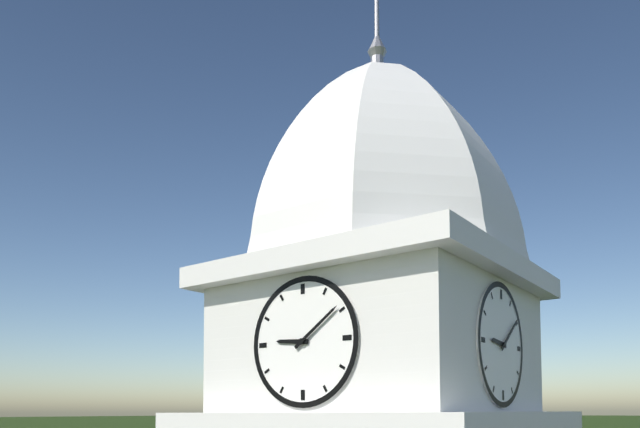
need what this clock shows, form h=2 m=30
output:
h=9 m=9
